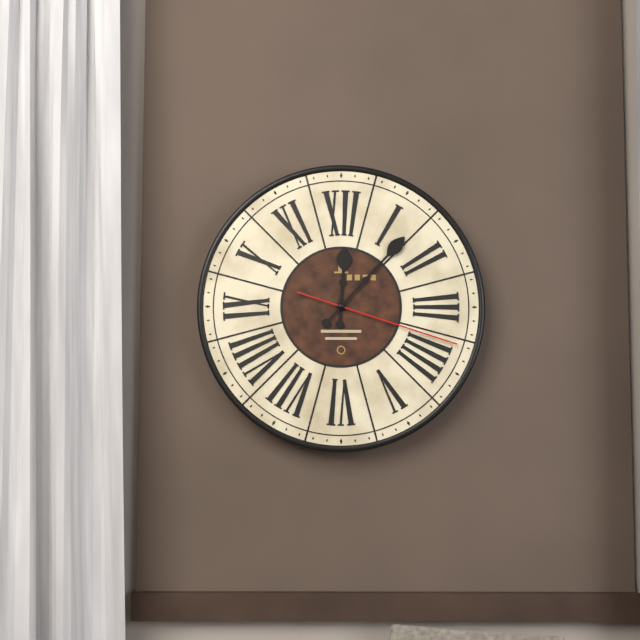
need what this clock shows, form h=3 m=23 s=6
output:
h=12 m=7 s=18
